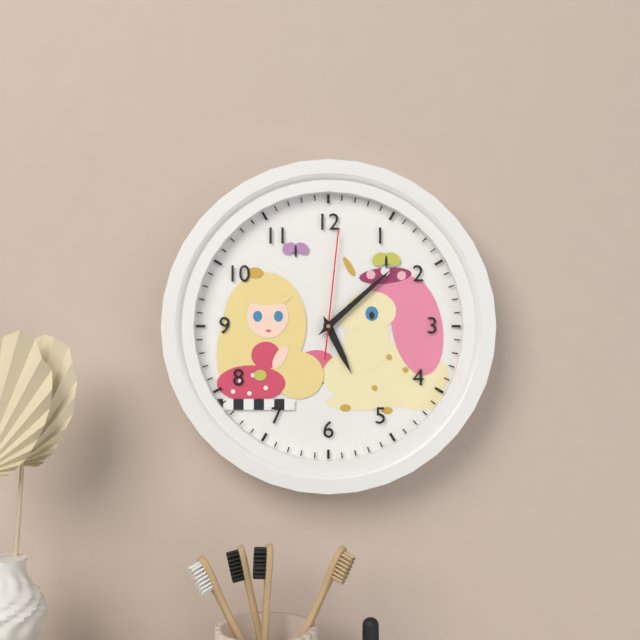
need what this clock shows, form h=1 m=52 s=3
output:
h=5 m=8 s=1
